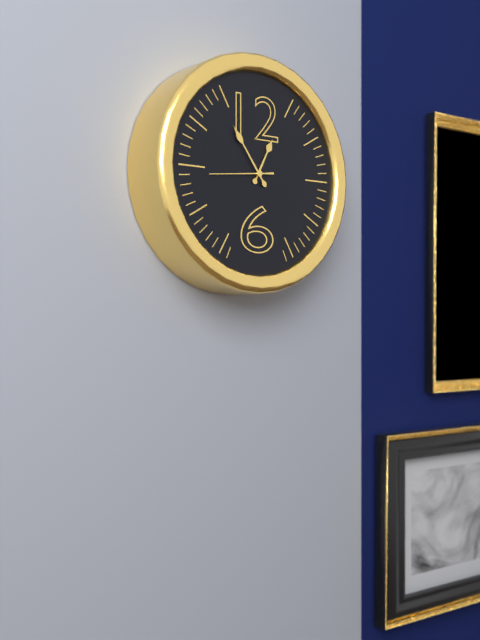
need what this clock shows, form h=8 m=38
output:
h=12 m=54
